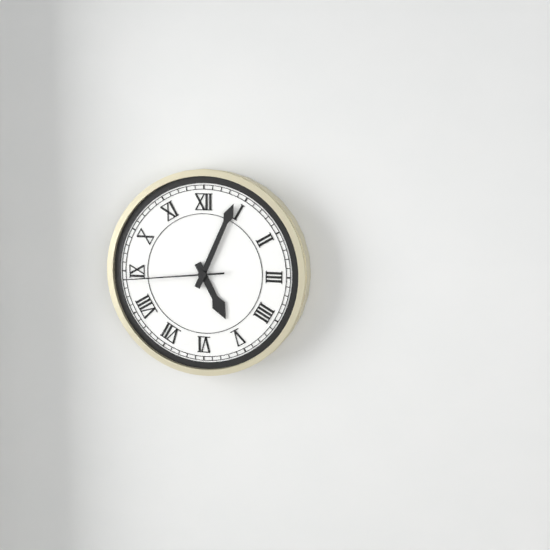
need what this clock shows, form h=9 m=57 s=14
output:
h=5 m=4 s=44
